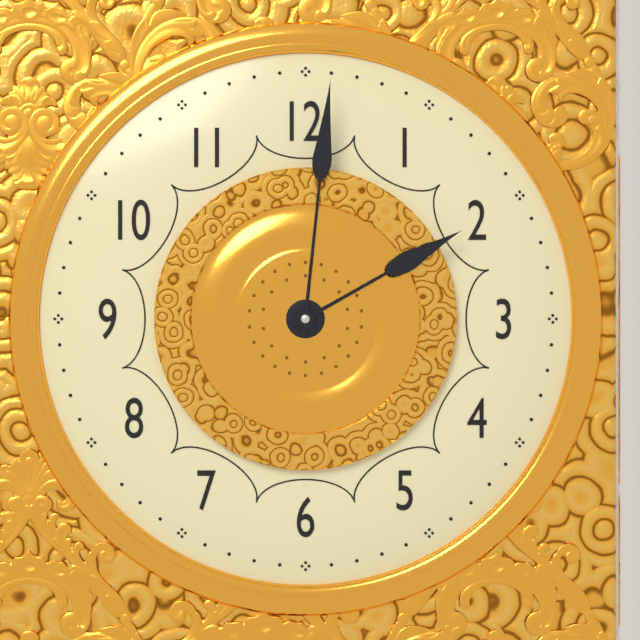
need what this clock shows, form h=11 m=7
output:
h=2 m=1
